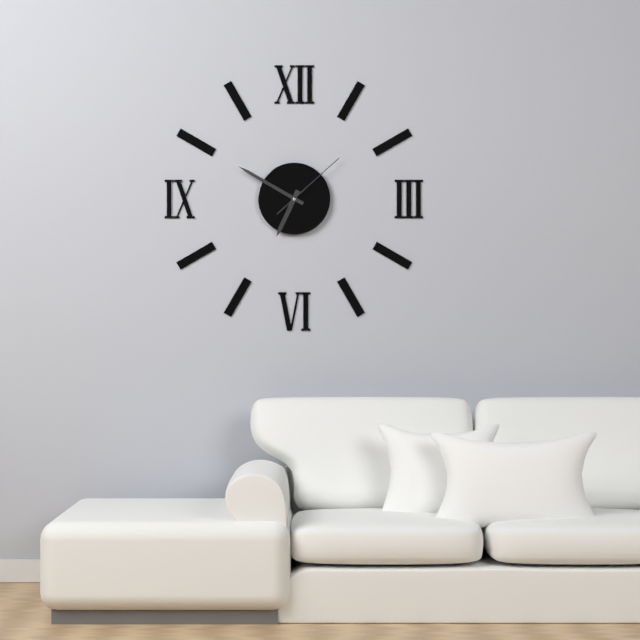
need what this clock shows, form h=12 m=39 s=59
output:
h=6 m=50 s=8
